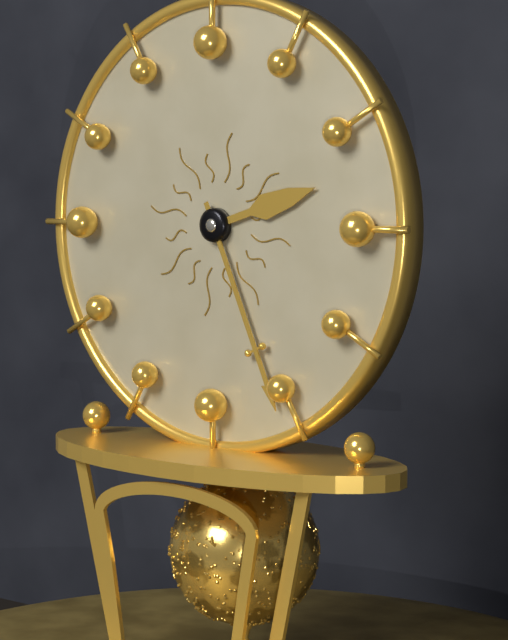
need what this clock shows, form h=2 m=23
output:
h=2 m=26
